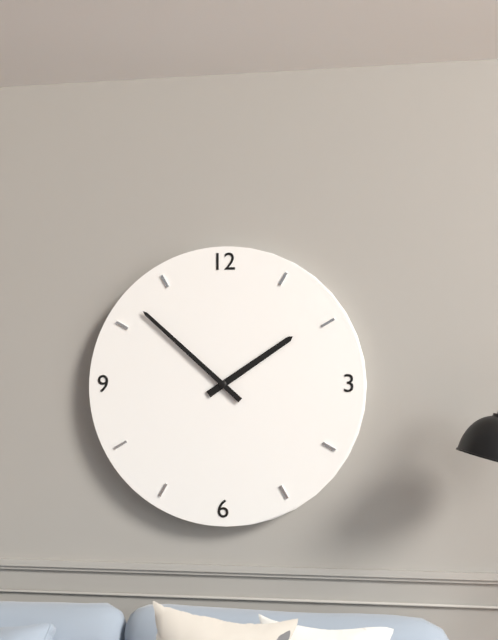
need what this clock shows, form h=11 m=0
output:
h=1 m=52
